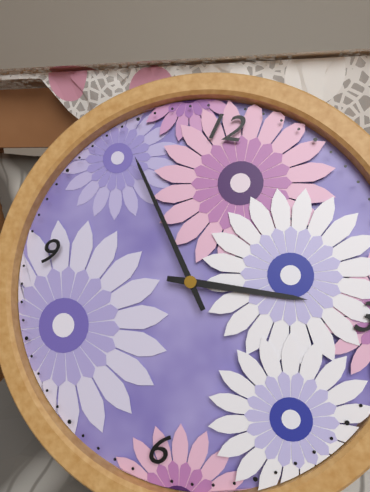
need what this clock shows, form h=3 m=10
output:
h=2 m=54
